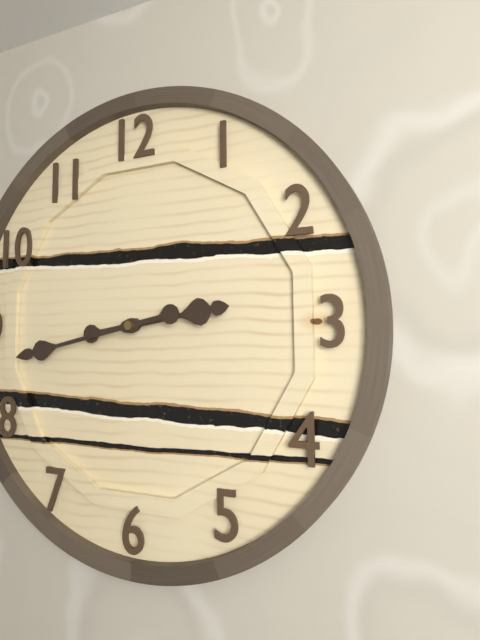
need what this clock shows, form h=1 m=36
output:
h=2 m=43
